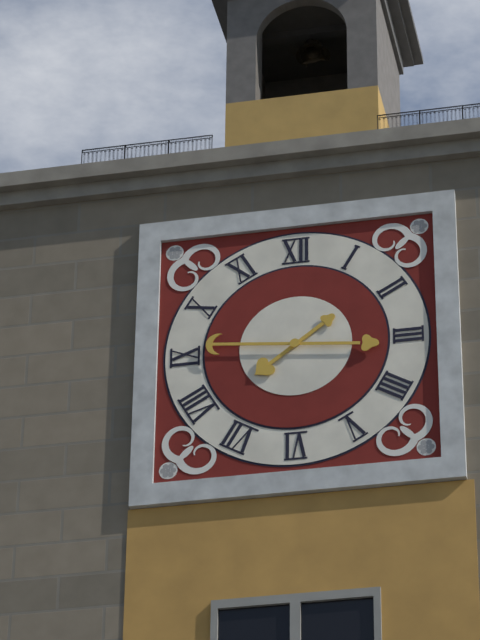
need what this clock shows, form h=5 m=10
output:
h=7 m=46
